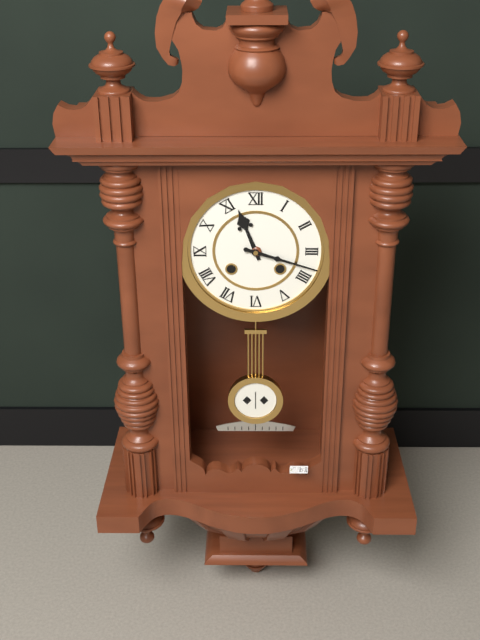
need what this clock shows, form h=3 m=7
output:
h=11 m=18
